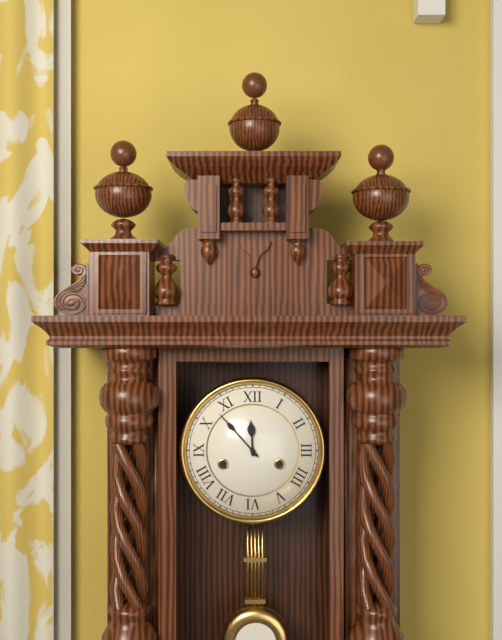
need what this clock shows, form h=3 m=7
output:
h=11 m=53
